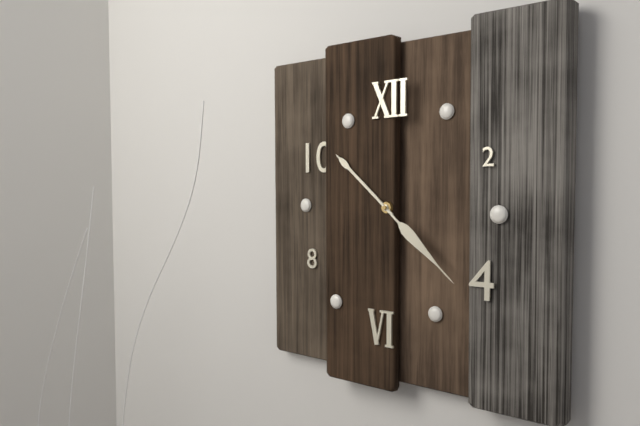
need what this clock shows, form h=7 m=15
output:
h=10 m=22
